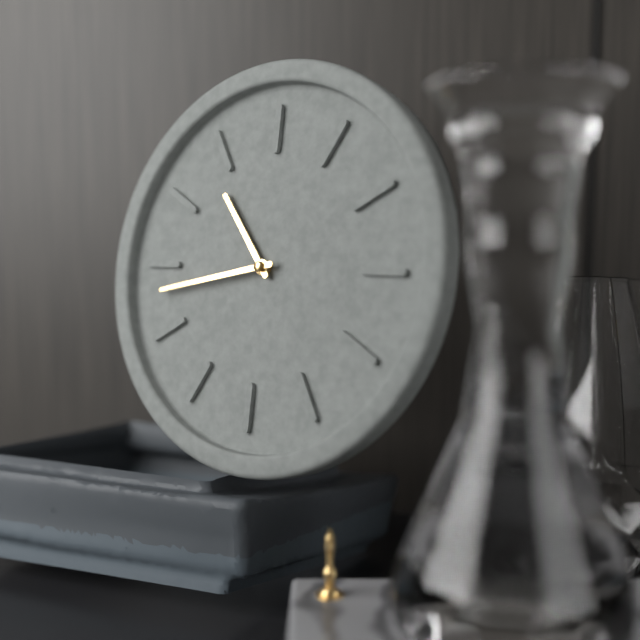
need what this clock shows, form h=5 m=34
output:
h=10 m=43
